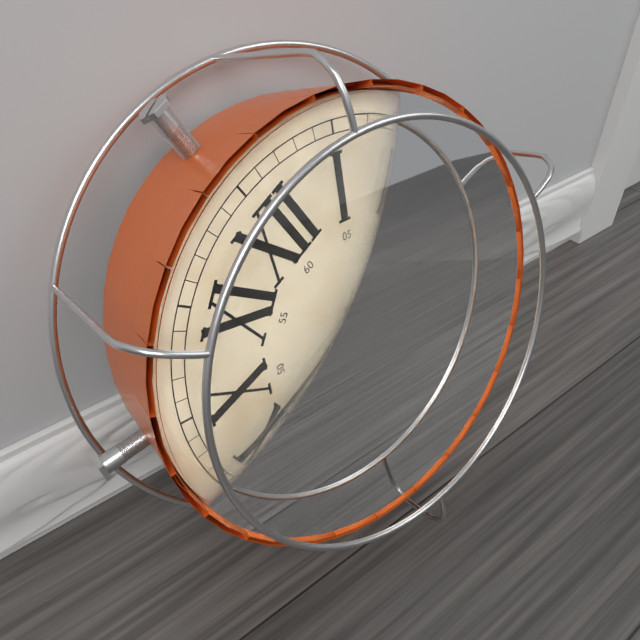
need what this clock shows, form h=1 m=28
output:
h=6 m=46
